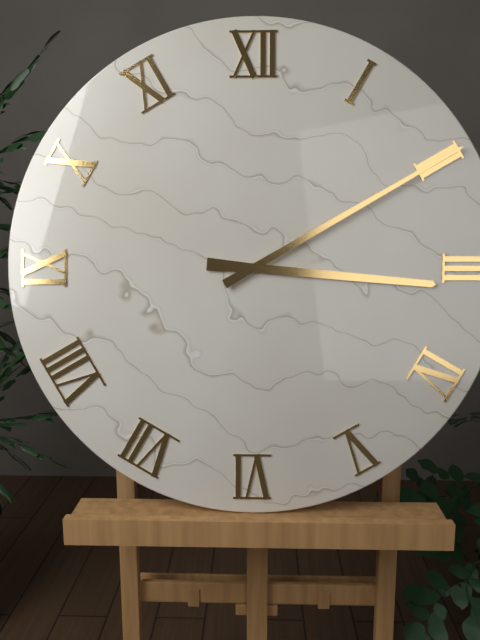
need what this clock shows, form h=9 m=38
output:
h=3 m=10
